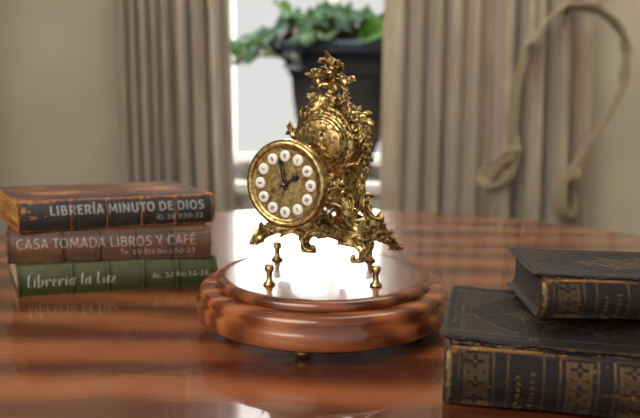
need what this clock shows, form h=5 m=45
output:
h=1 m=58
